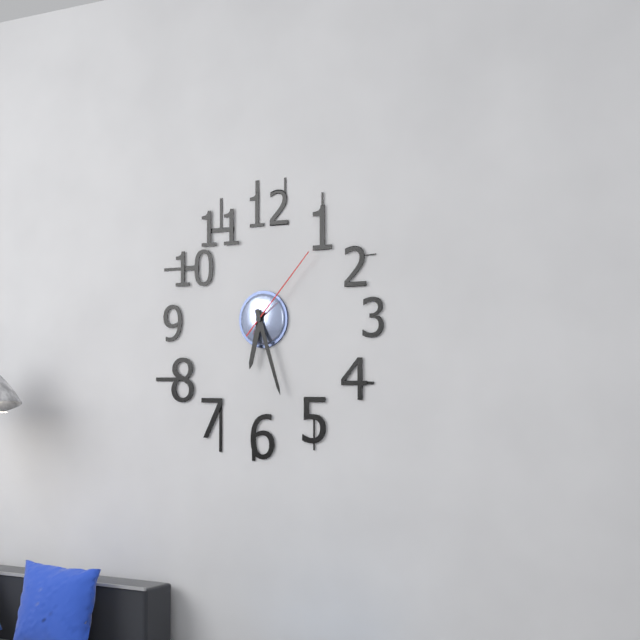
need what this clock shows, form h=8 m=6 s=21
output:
h=6 m=27 s=7
